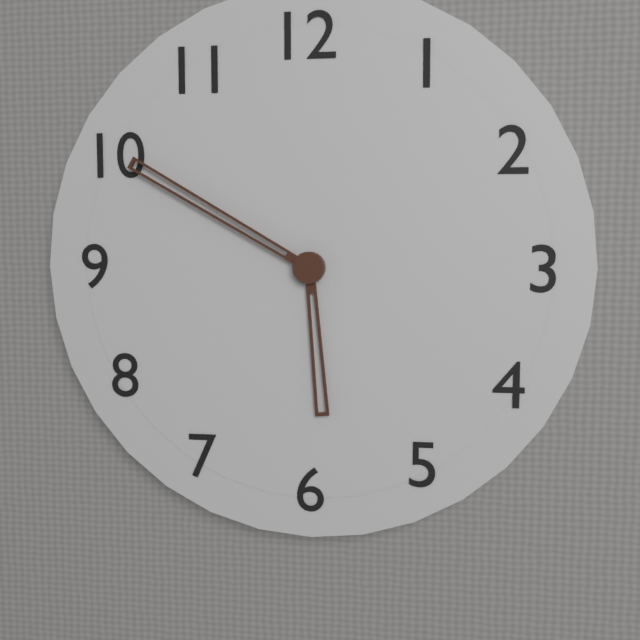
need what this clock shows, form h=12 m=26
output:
h=5 m=50
